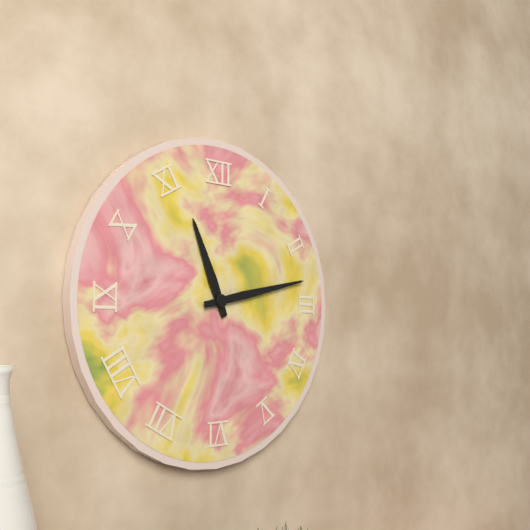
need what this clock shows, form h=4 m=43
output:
h=11 m=13
